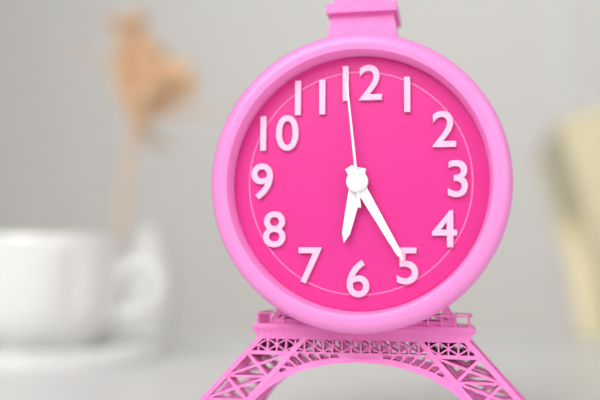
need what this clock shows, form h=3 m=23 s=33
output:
h=6 m=25 s=59
